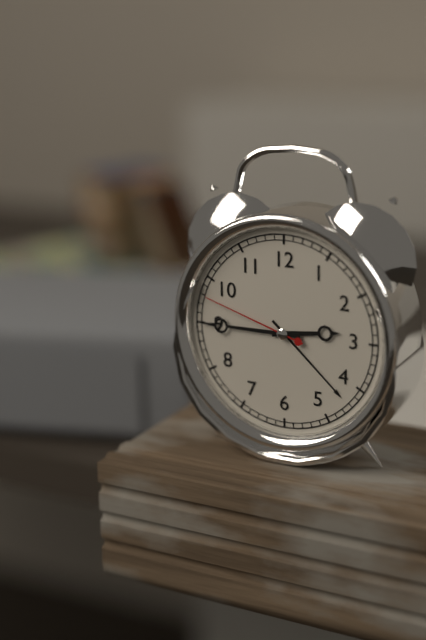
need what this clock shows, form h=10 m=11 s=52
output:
h=2 m=45 s=48
